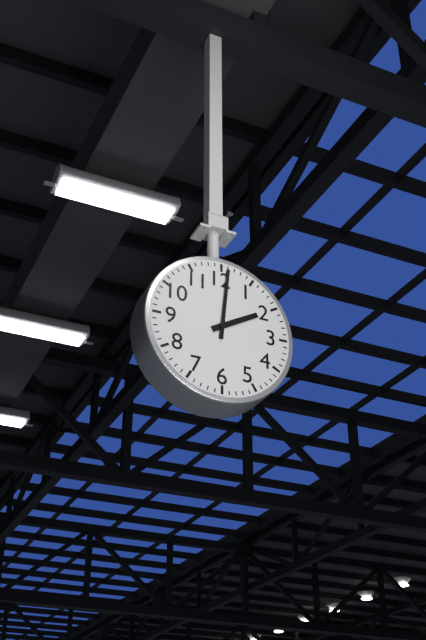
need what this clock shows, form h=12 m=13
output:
h=2 m=1
